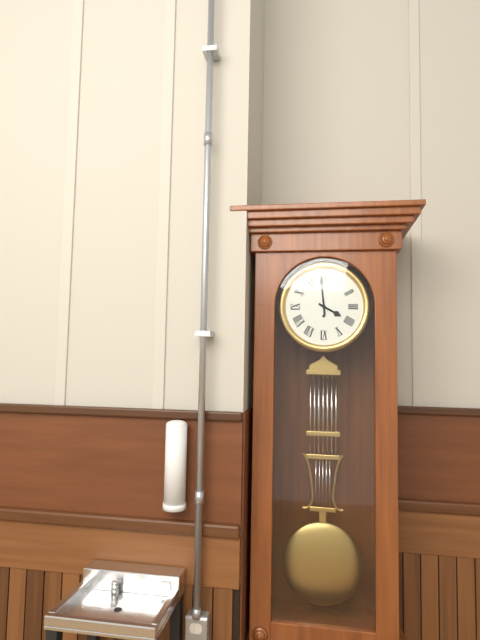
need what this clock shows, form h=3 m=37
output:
h=3 m=59
